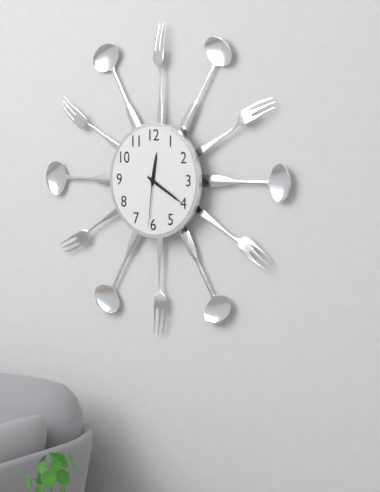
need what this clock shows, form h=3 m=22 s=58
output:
h=12 m=20 s=31
